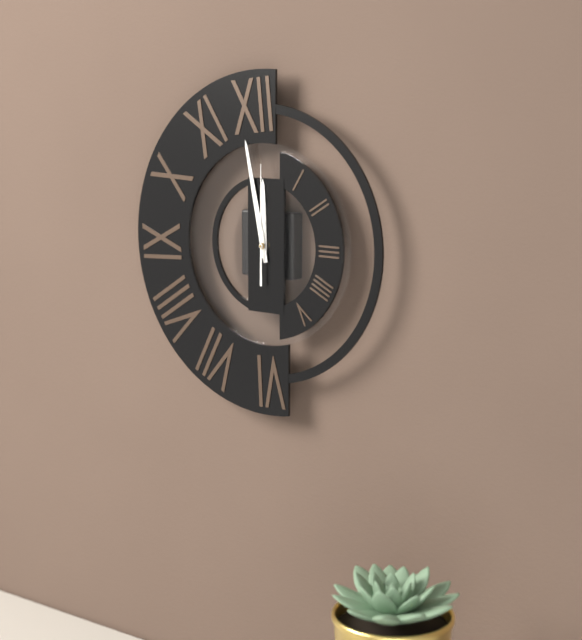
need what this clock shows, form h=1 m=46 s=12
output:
h=11 m=58 s=0
